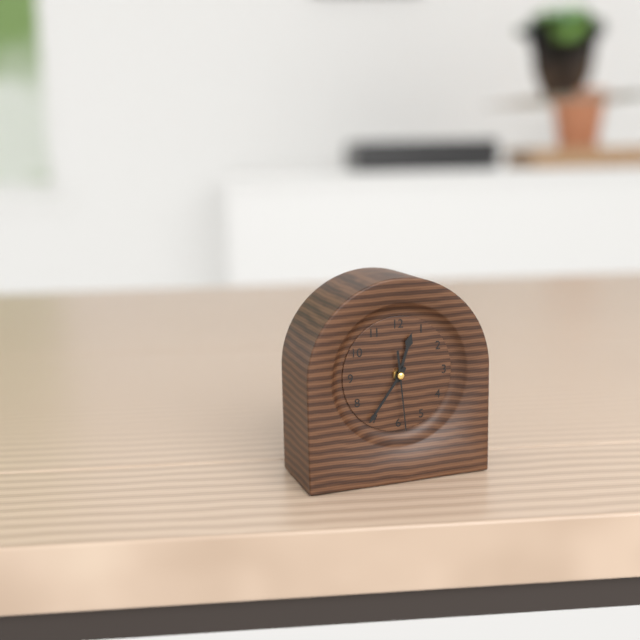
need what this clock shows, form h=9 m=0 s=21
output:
h=12 m=36 s=29
